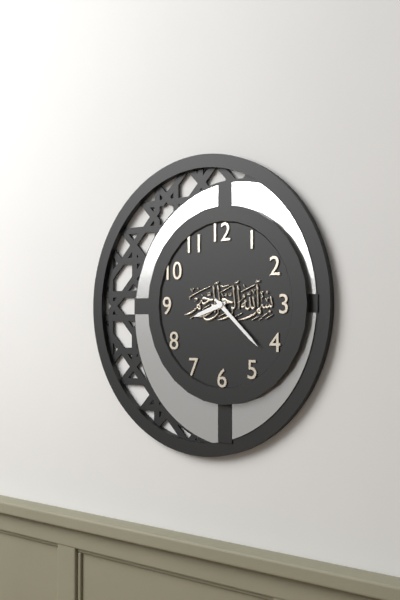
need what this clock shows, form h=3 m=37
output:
h=8 m=22
